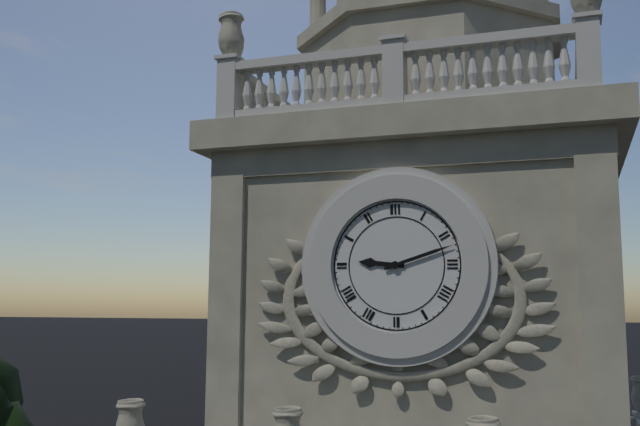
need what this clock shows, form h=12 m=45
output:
h=9 m=12
